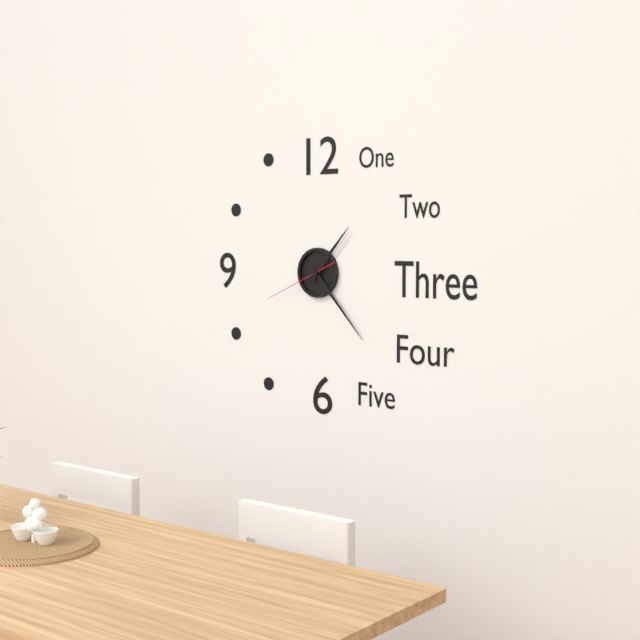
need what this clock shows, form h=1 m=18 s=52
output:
h=1 m=23 s=41
